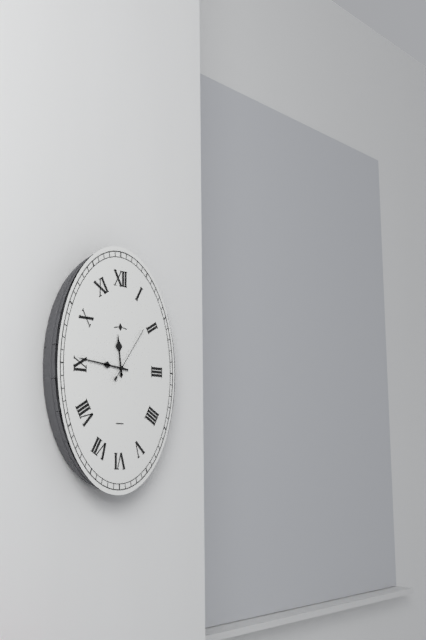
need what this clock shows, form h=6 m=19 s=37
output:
h=11 m=46 s=6
